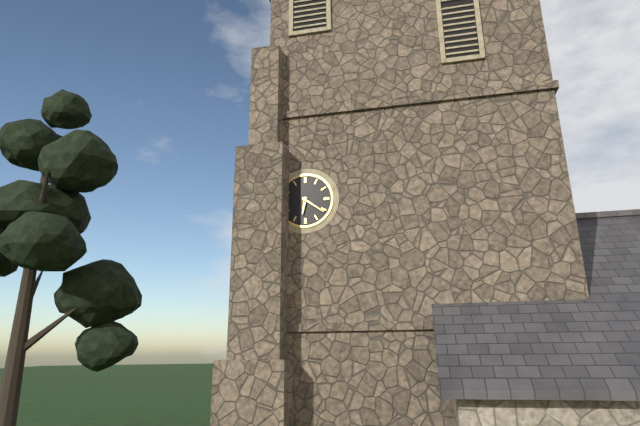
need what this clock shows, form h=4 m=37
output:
h=6 m=21
